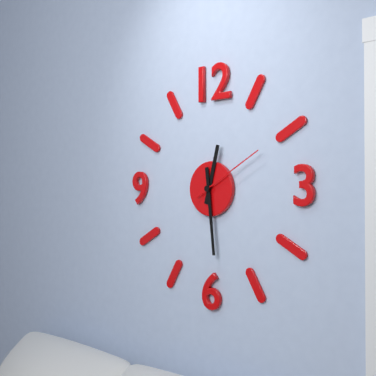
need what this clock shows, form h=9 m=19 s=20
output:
h=12 m=29 s=10
